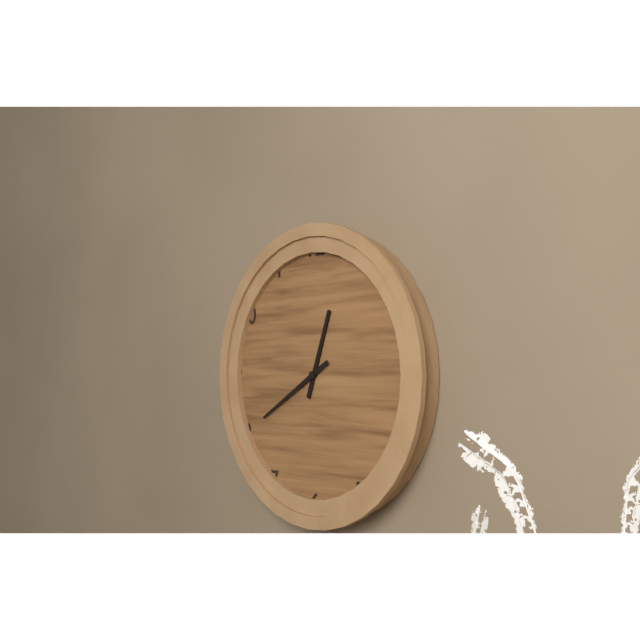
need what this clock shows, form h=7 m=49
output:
h=12 m=40
